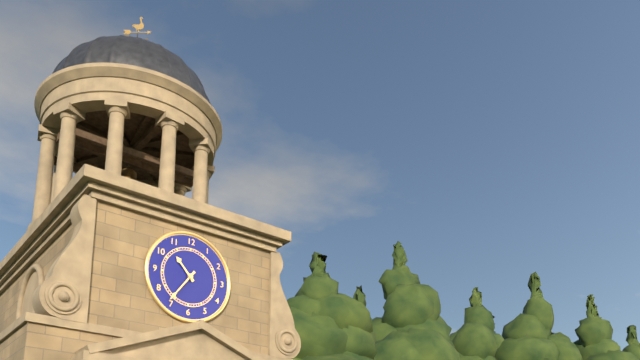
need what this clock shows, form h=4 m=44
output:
h=10 m=36
